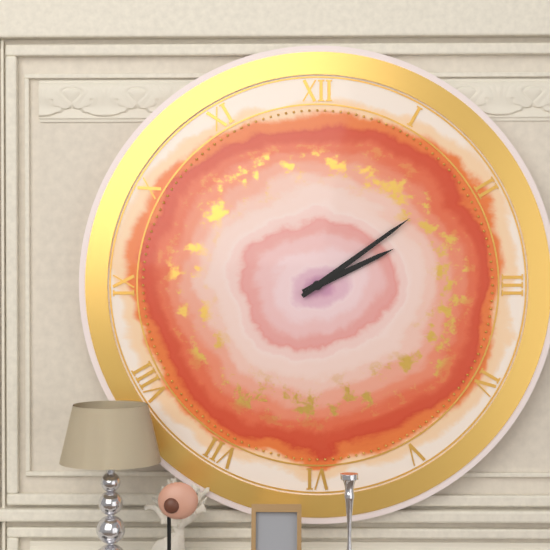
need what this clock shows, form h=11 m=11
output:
h=2 m=9
